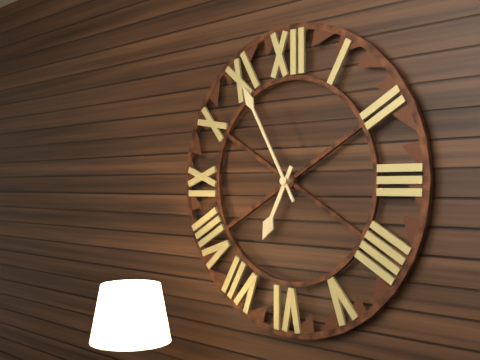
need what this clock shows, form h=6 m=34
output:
h=6 m=55
